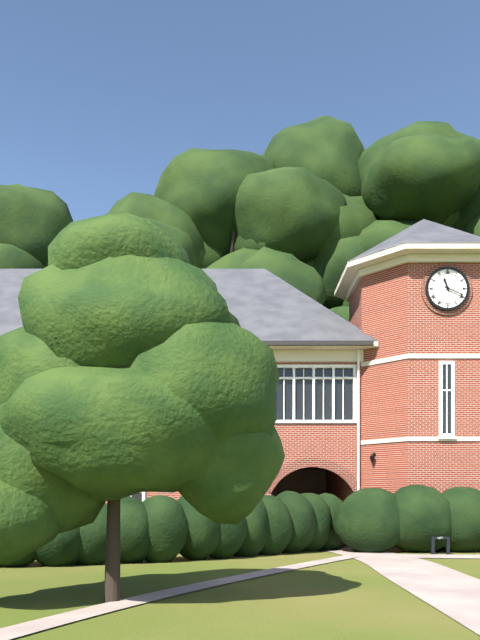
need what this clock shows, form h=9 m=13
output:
h=11 m=19
